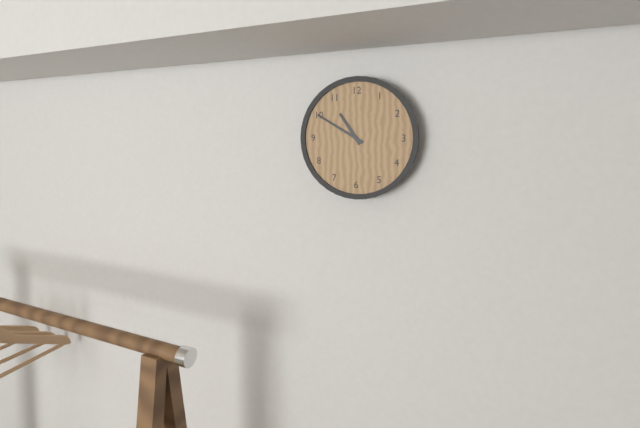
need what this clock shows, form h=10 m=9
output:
h=10 m=50
